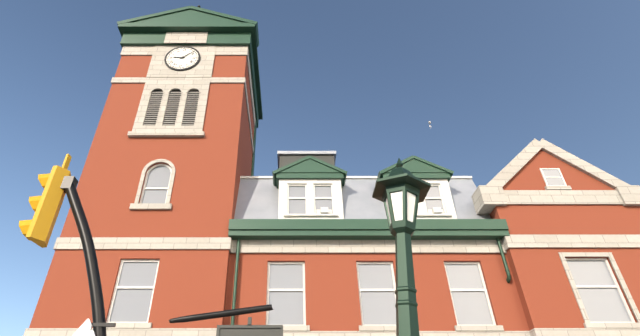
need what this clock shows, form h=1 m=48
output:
h=9 m=8
